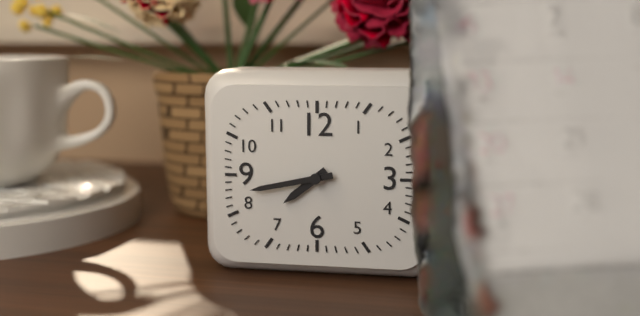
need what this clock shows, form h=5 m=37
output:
h=7 m=43
